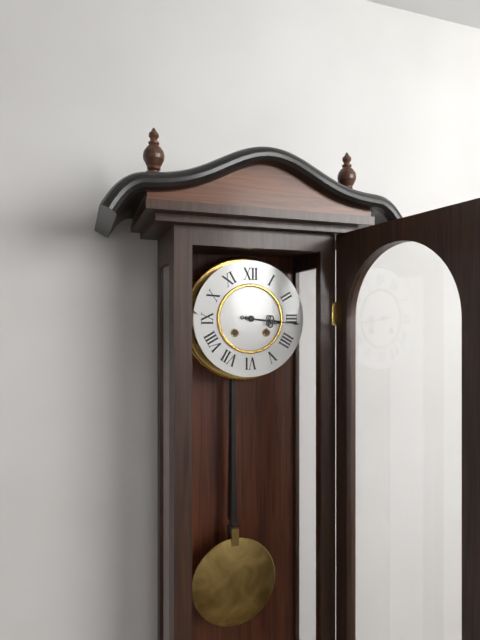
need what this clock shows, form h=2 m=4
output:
h=3 m=16
